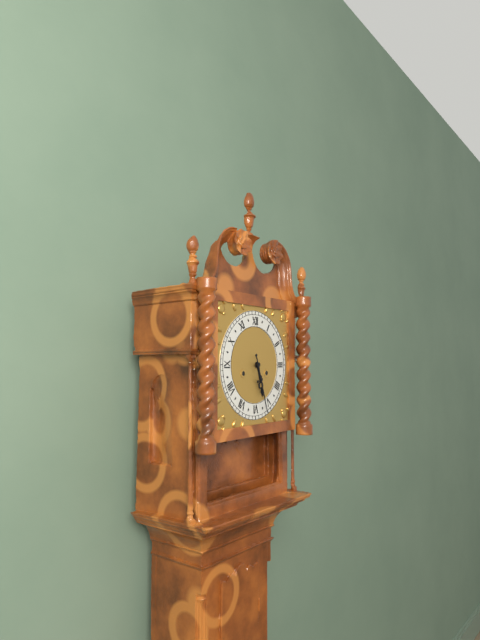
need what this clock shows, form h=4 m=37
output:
h=5 m=27
